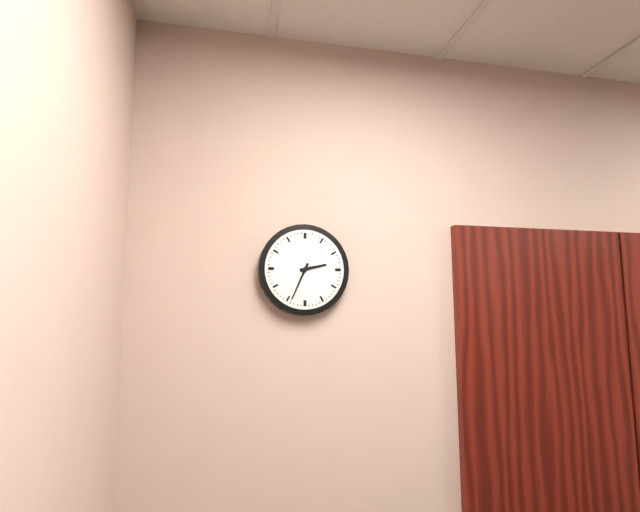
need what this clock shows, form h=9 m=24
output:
h=2 m=34
